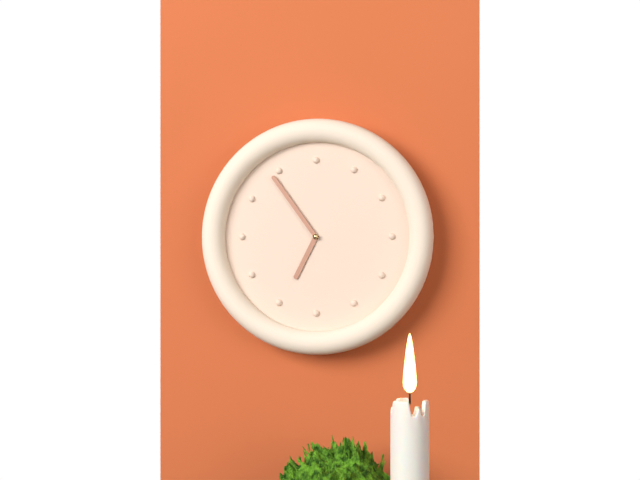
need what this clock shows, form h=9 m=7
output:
h=6 m=54
